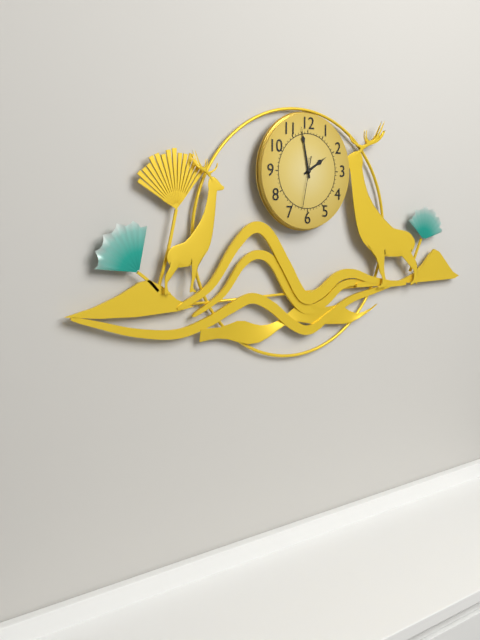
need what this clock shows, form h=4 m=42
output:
h=1 m=58
